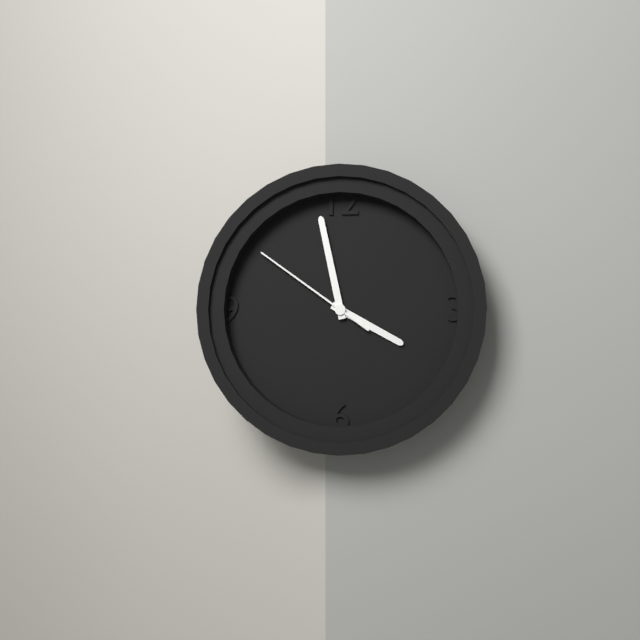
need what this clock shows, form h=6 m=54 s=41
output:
h=3 m=58 s=51
